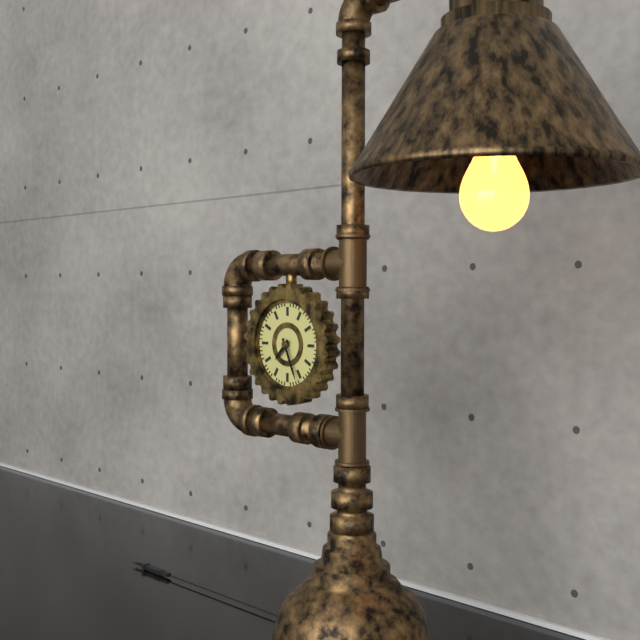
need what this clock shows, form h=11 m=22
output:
h=7 m=26
